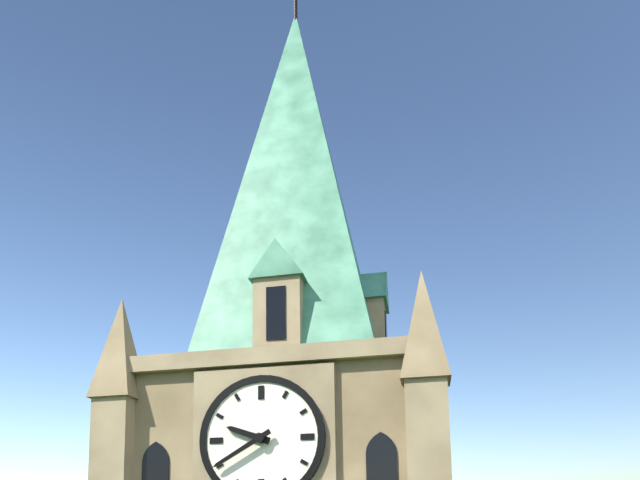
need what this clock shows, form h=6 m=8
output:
h=9 m=40
